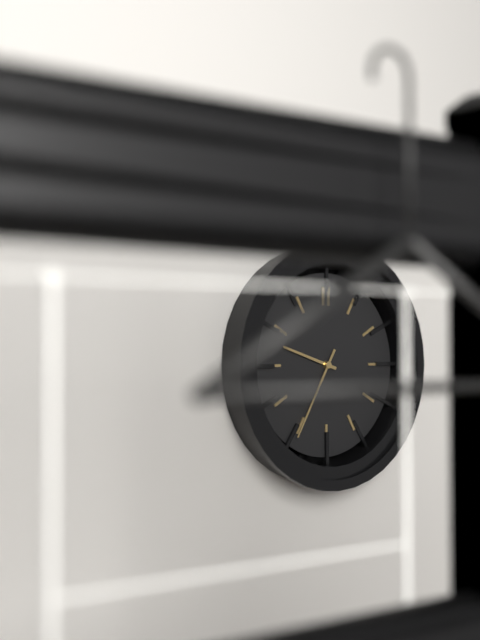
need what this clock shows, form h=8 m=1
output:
h=9 m=35
